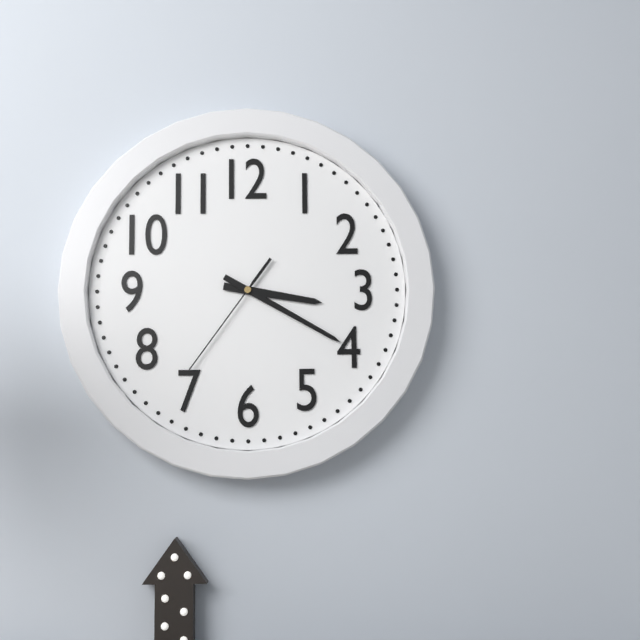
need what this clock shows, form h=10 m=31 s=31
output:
h=3 m=20 s=36
